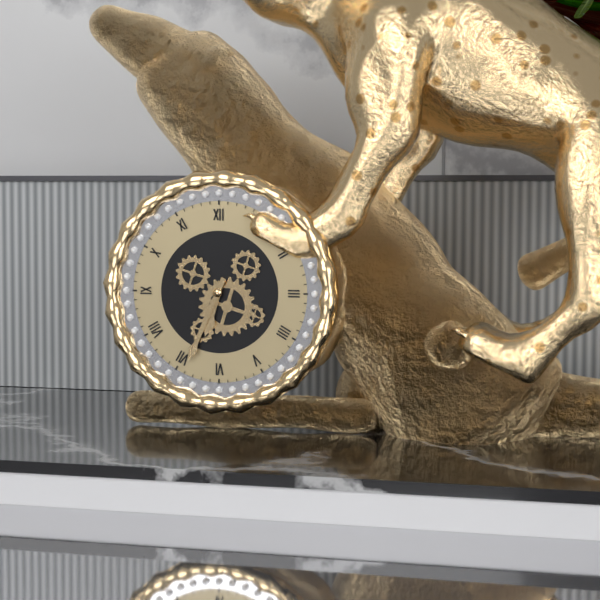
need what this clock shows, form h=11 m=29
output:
h=6 m=34
